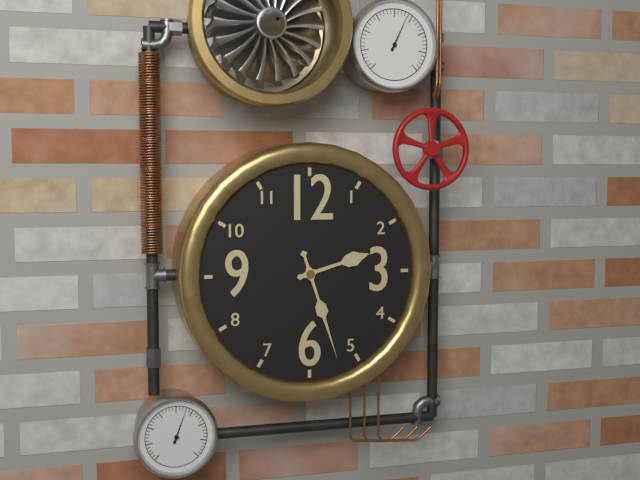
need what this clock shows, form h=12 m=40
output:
h=2 m=27
